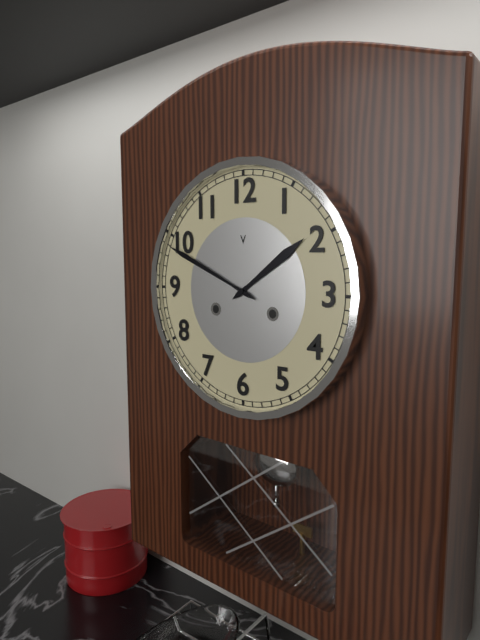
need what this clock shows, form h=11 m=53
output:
h=1 m=49
